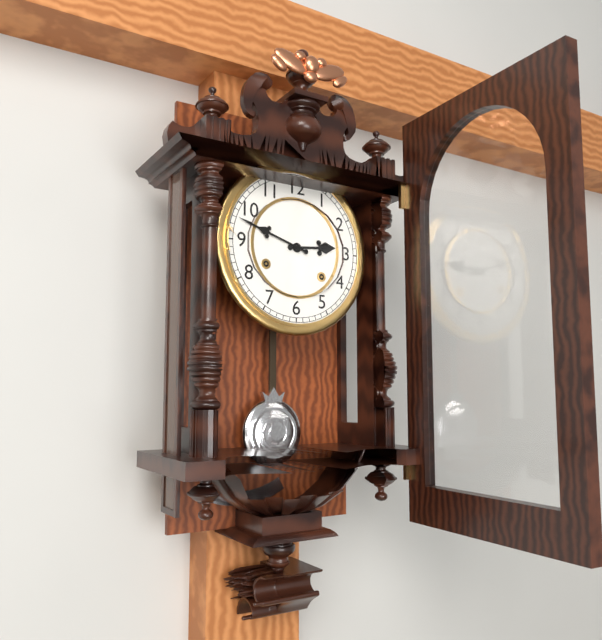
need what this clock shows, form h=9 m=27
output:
h=2 m=48
